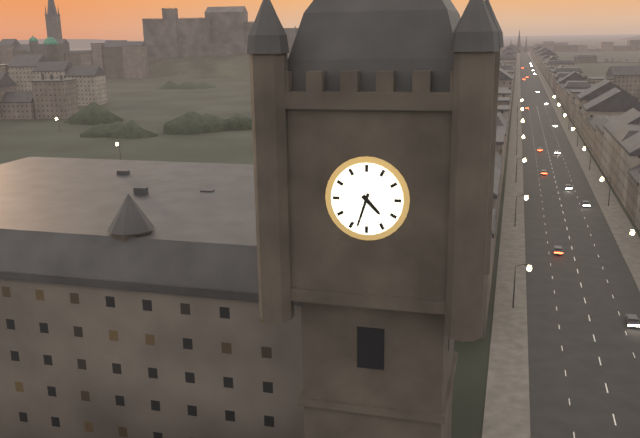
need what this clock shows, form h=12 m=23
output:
h=4 m=33
